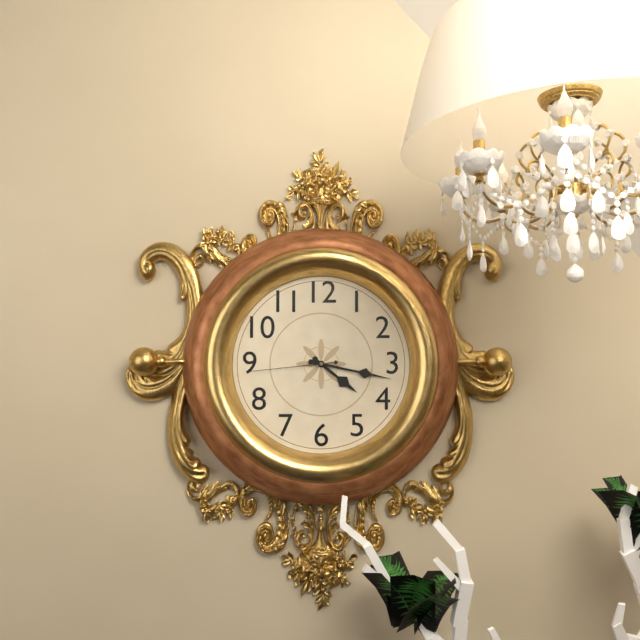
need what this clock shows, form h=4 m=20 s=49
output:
h=4 m=17 s=44
